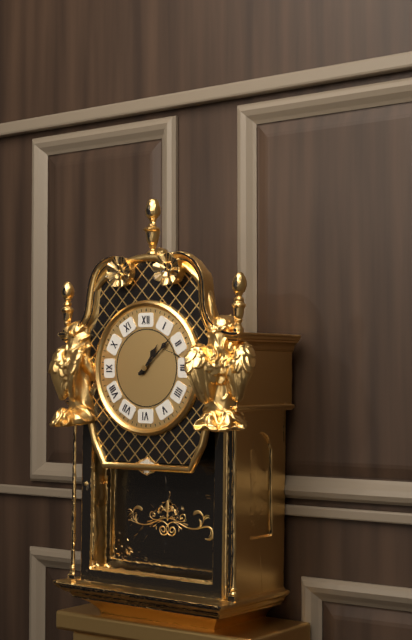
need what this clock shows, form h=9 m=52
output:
h=1 m=8
